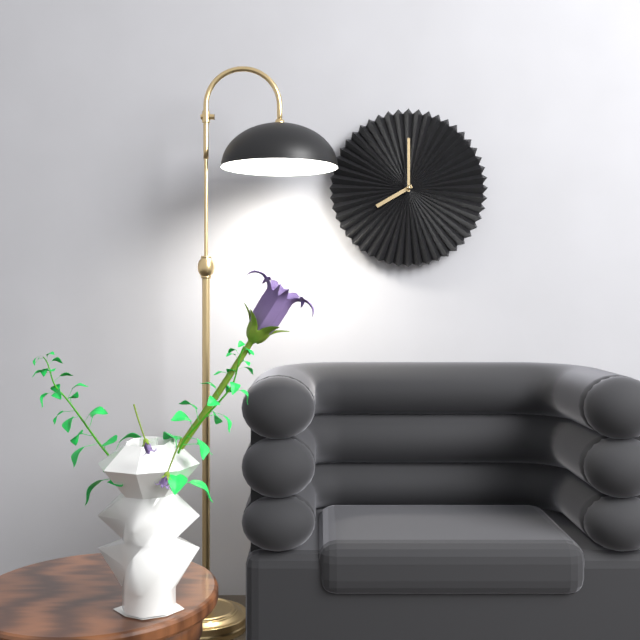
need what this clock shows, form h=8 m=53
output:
h=8 m=0
